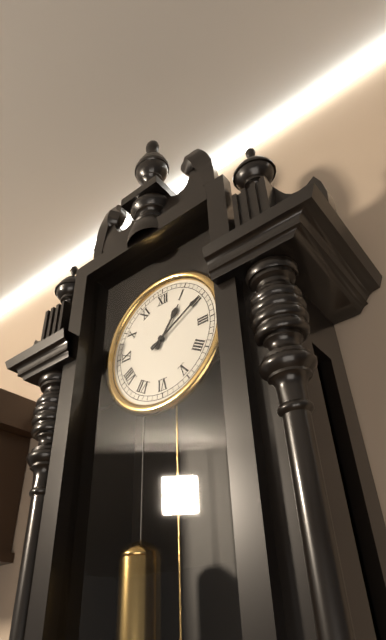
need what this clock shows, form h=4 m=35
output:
h=1 m=10
